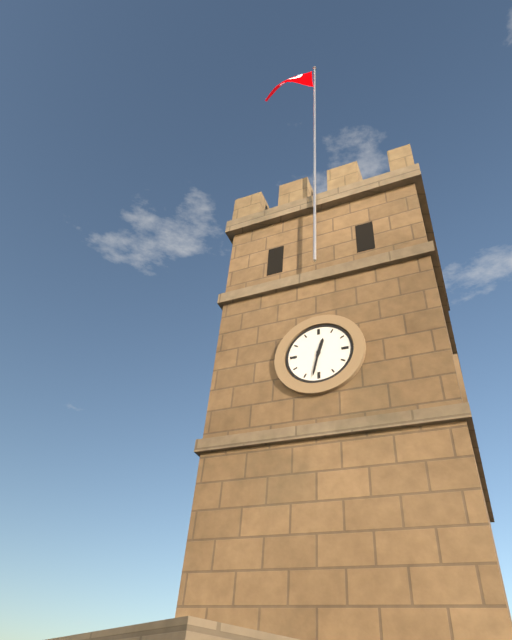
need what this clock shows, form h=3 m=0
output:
h=12 m=32
